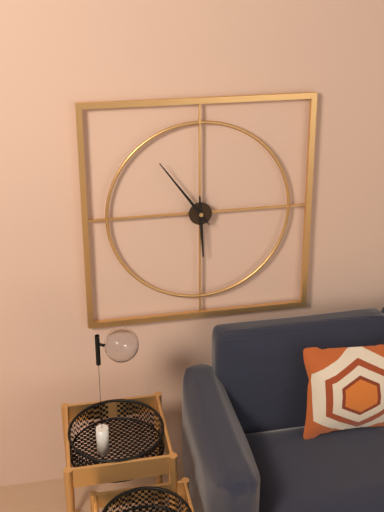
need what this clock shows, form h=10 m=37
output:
h=5 m=54
